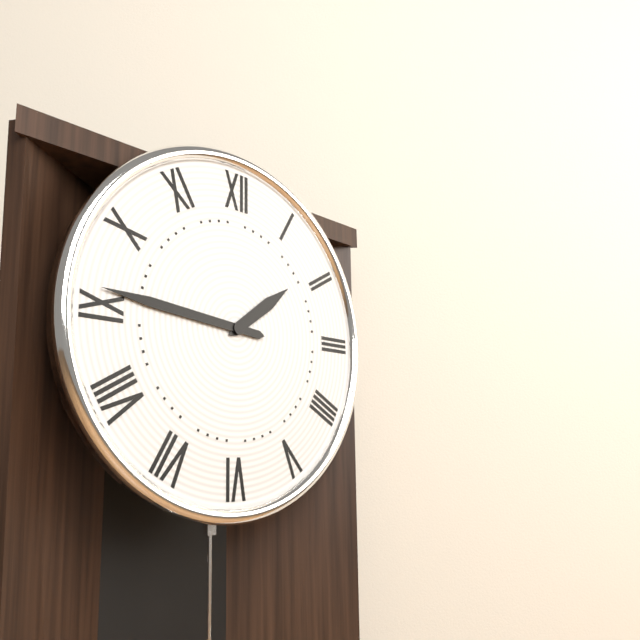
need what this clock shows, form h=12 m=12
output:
h=1 m=46
